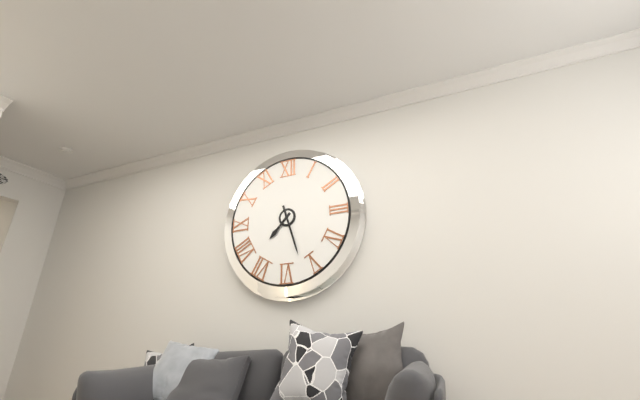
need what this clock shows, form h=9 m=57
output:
h=7 m=27
